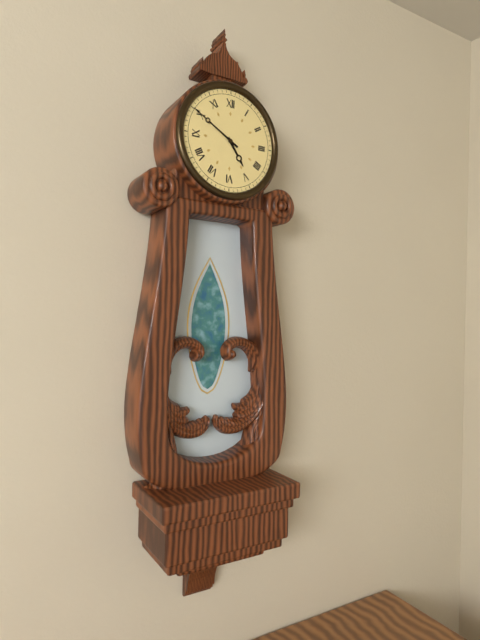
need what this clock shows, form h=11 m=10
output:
h=4 m=50
